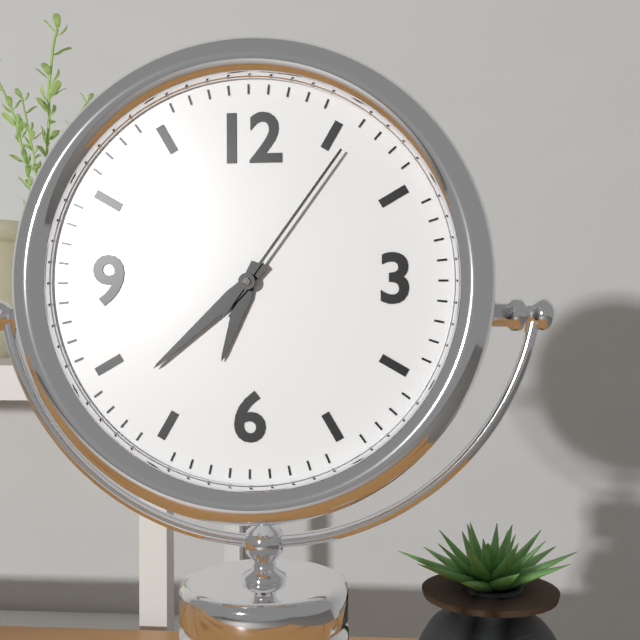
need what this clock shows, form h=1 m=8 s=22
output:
h=6 m=38 s=6
